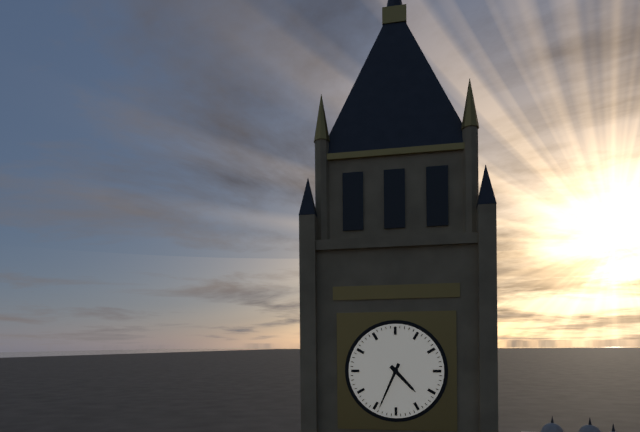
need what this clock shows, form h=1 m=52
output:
h=4 m=34
